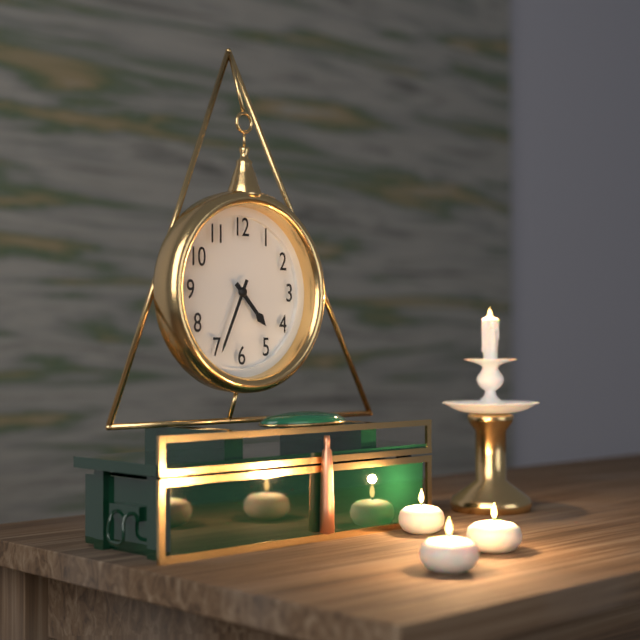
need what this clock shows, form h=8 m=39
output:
h=4 m=34
